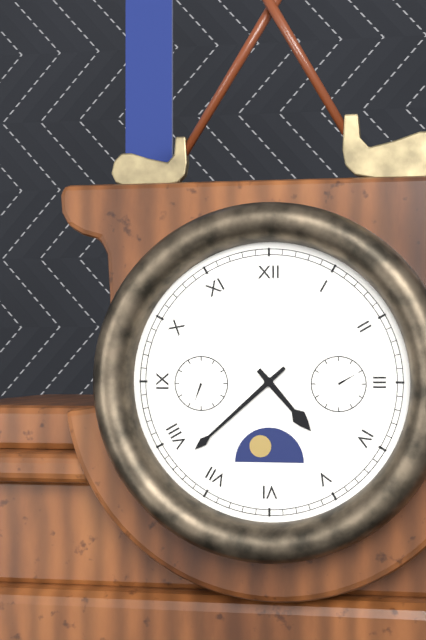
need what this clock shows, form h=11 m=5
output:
h=4 m=38
